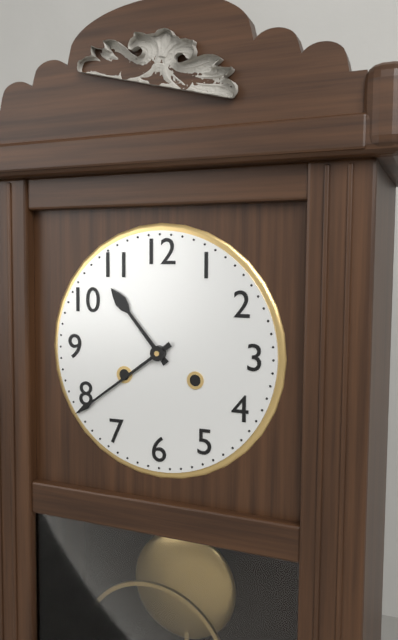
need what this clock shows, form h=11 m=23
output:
h=10 m=39
